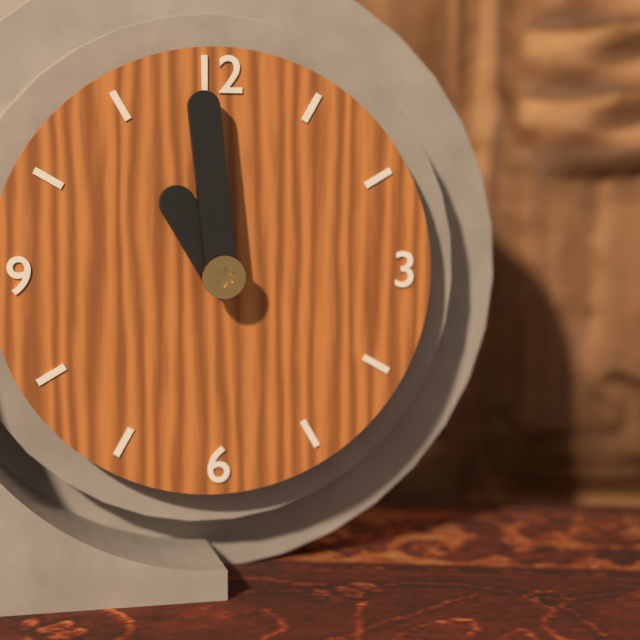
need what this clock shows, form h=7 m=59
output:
h=10 m=59
